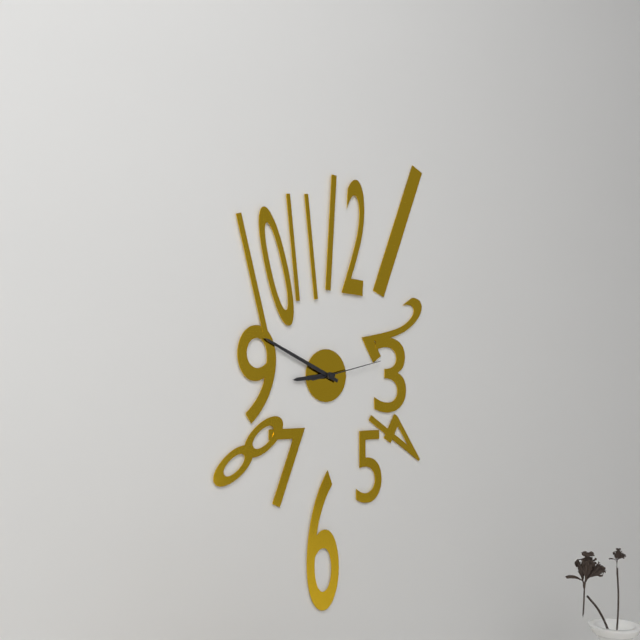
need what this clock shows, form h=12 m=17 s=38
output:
h=8 m=49 s=13
